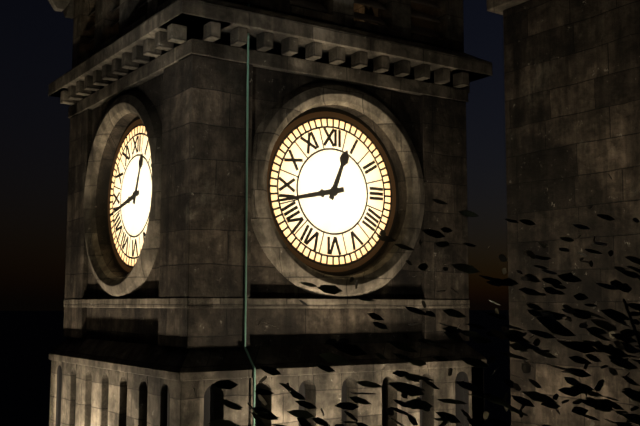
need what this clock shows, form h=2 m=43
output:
h=12 m=43
